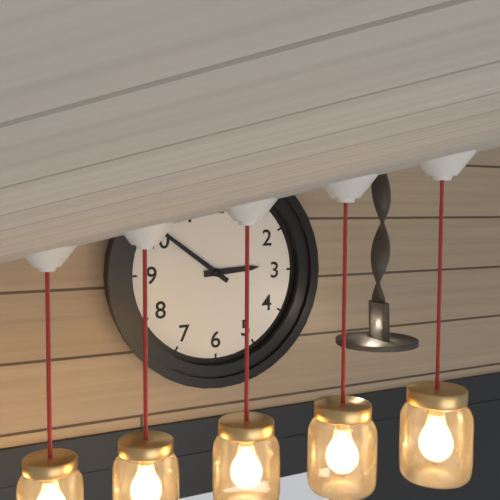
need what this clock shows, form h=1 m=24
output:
h=2 m=51
